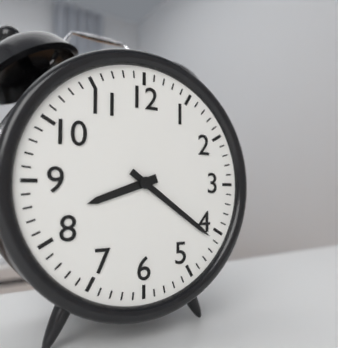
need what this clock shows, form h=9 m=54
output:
h=8 m=21
